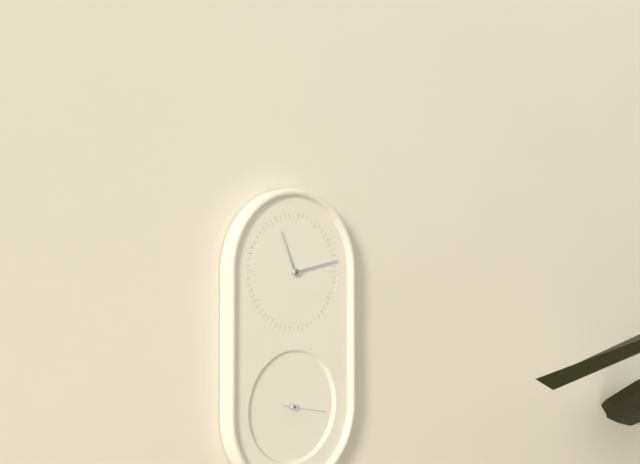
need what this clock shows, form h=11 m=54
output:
h=11 m=13
